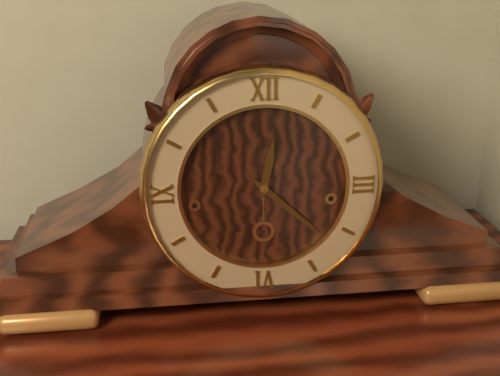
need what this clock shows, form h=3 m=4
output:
h=12 m=22
